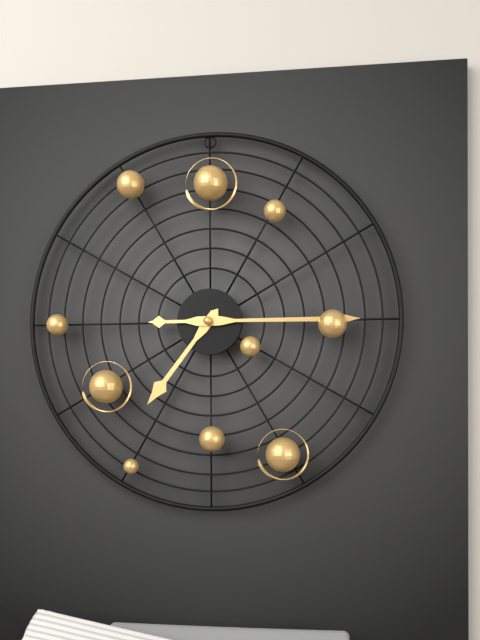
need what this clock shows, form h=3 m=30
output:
h=7 m=15
